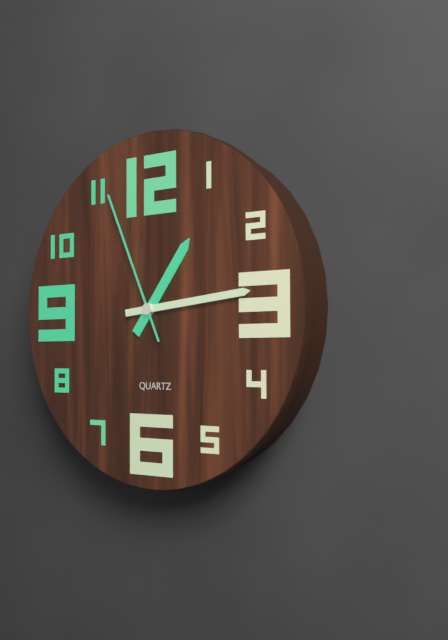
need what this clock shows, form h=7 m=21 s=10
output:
h=1 m=14 s=56
